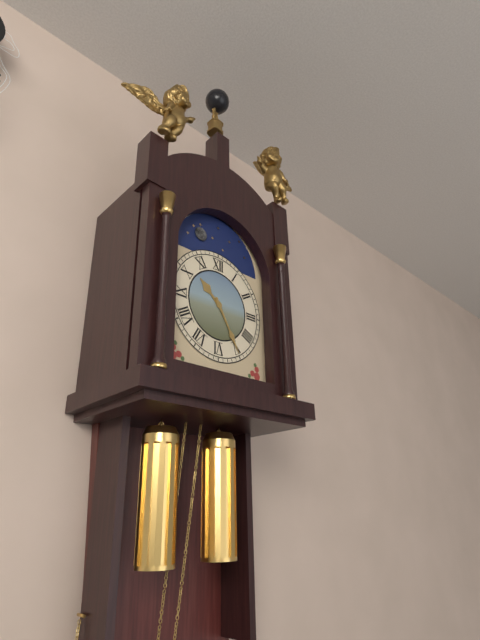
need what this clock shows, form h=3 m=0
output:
h=10 m=25
